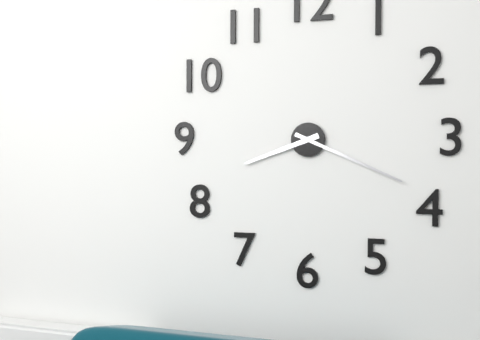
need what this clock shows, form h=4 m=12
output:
h=8 m=19
